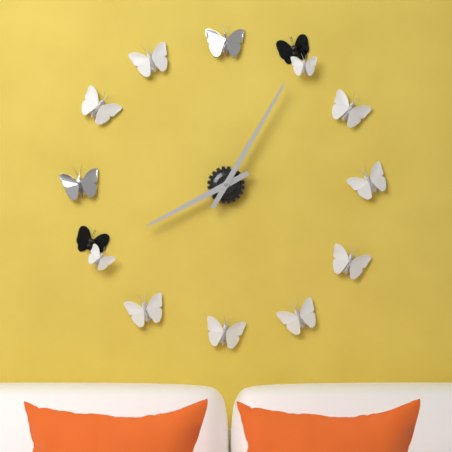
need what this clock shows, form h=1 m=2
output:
h=8 m=5
